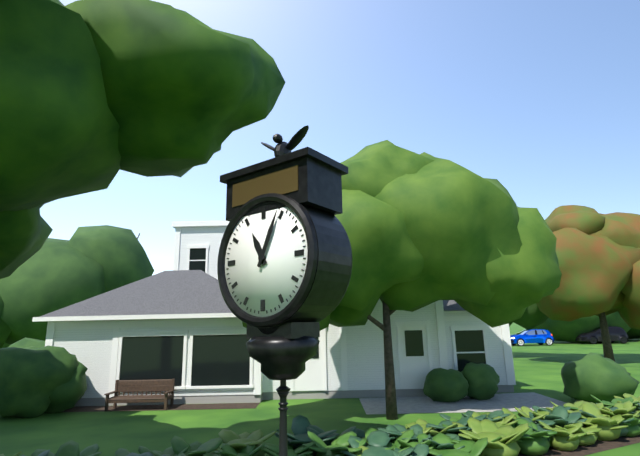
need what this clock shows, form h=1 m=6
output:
h=11 m=4
